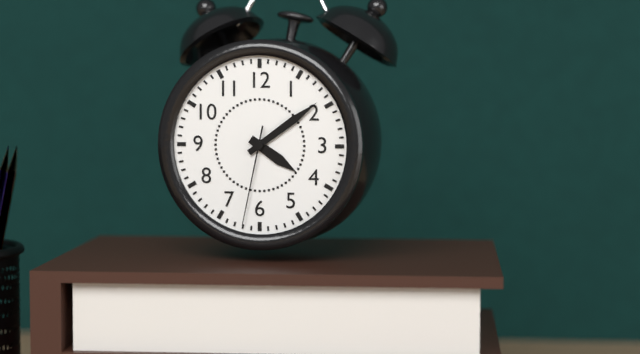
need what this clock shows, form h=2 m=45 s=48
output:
h=4 m=9 s=32
